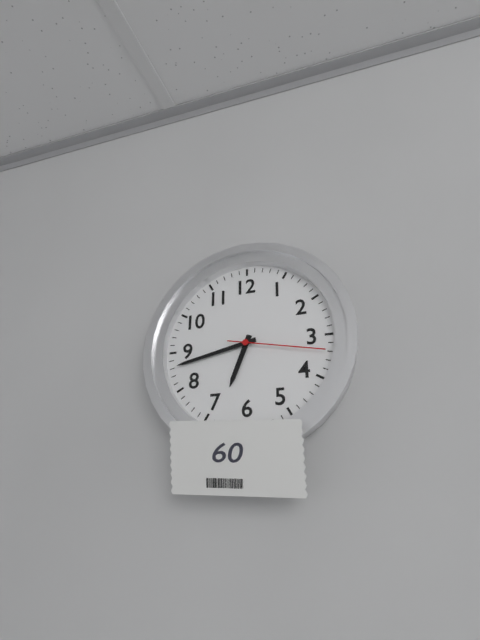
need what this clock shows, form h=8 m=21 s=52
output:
h=6 m=43 s=17
